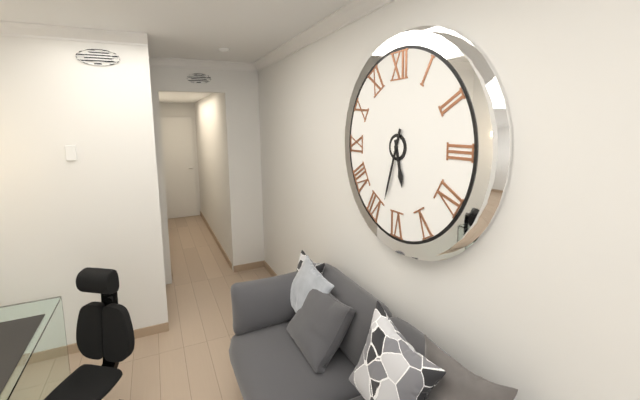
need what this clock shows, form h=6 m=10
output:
h=5 m=33
